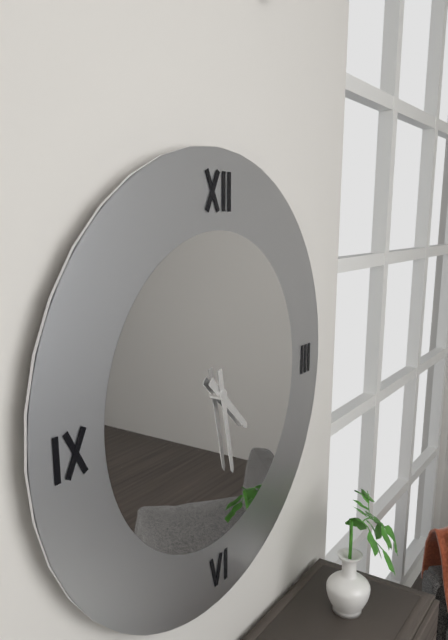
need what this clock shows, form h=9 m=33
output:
h=4 m=28
